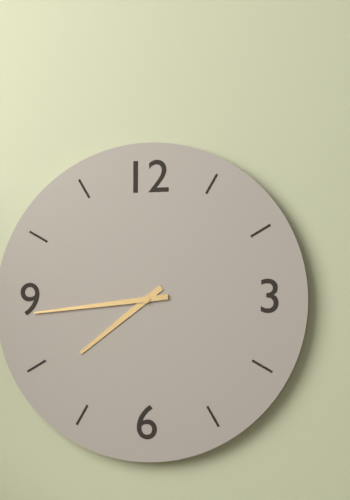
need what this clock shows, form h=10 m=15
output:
h=7 m=44
